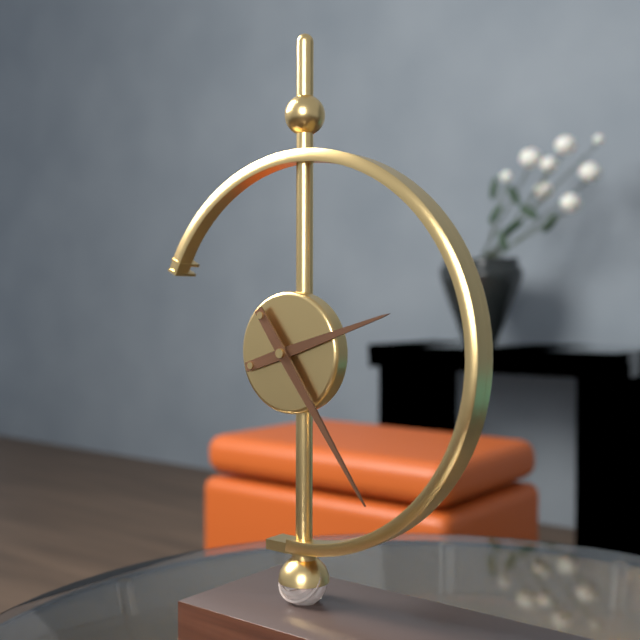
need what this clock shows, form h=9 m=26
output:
h=2 m=24
